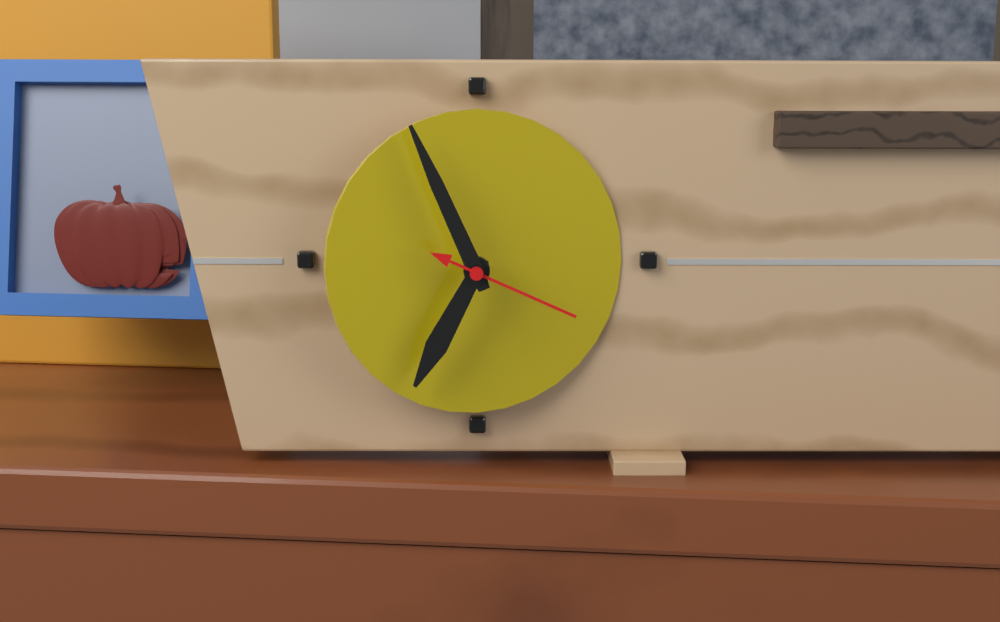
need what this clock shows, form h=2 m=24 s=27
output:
h=6 m=56 s=19
